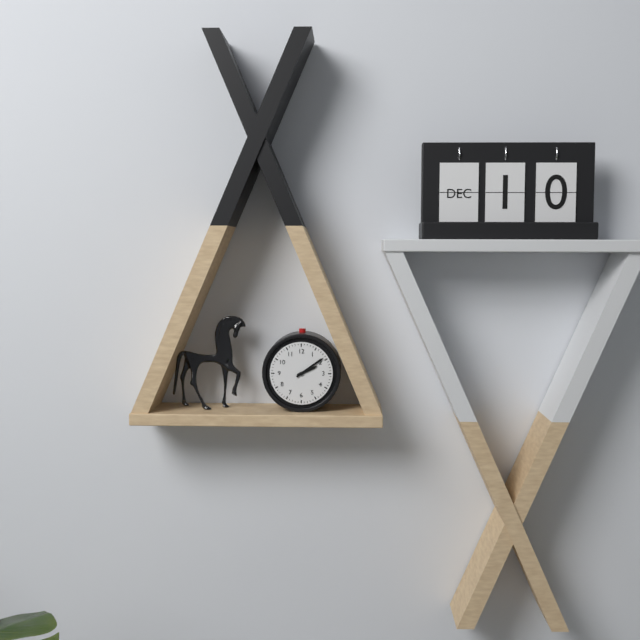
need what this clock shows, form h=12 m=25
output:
h=2 m=9
